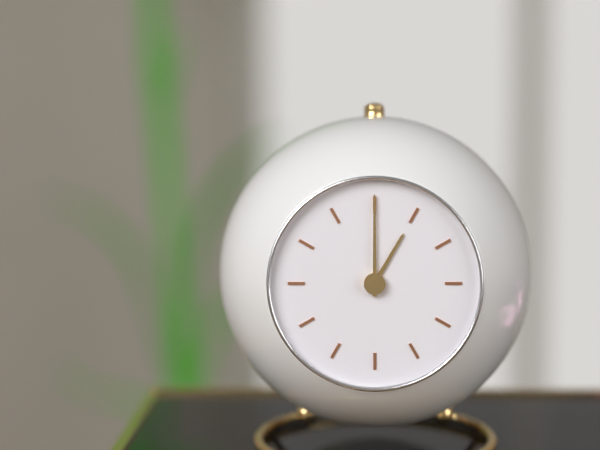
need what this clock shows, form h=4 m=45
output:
h=1 m=0
